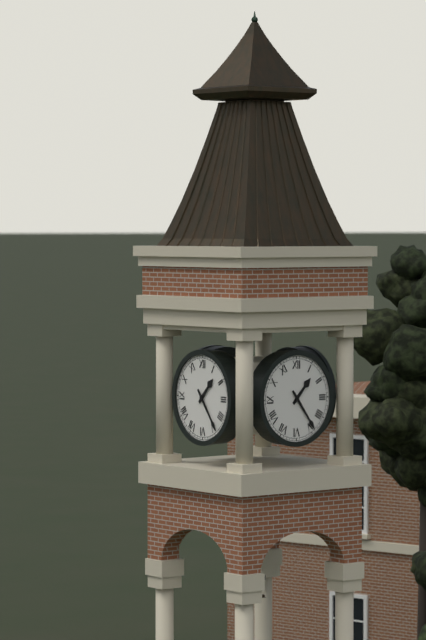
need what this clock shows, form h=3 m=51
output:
h=1 m=24
